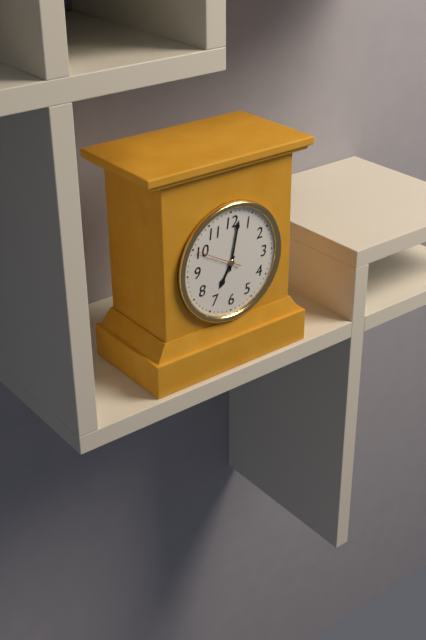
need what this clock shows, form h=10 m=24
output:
h=7 m=2
